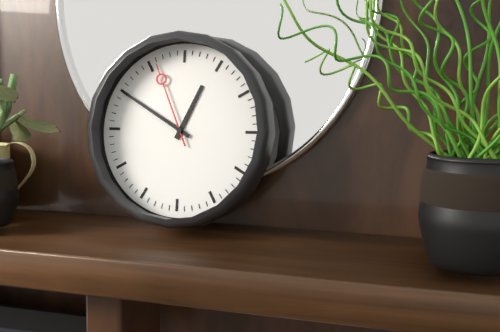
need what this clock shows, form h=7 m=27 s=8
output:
h=12 m=50 s=56
